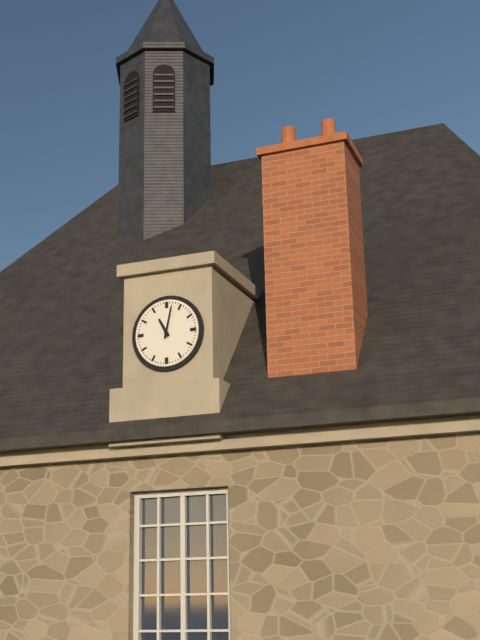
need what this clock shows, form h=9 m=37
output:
h=11 m=2
